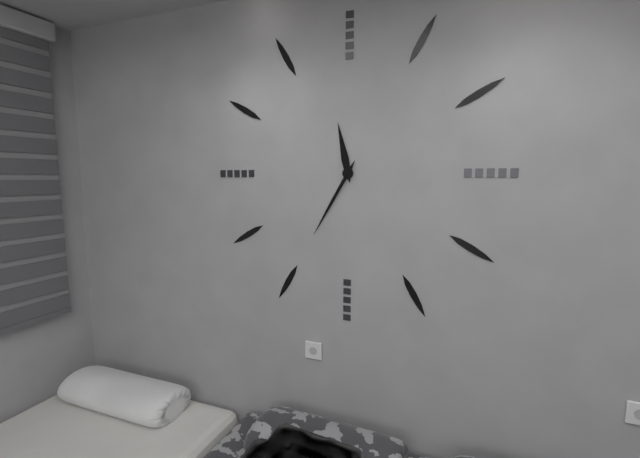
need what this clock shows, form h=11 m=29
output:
h=11 m=35
